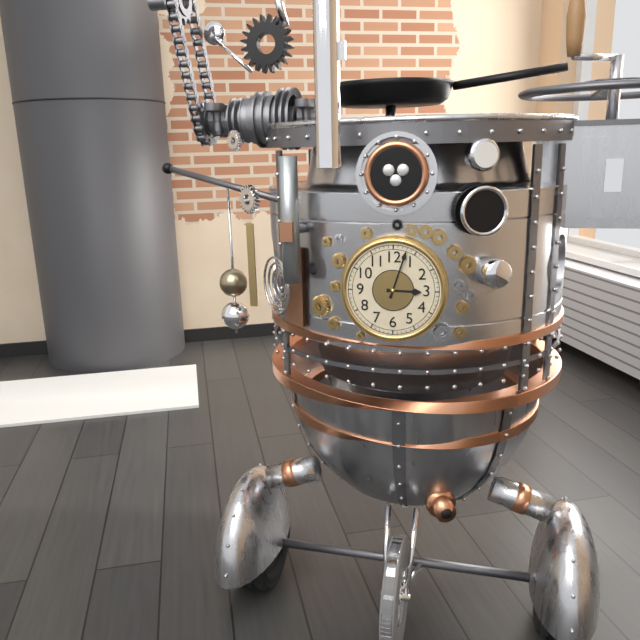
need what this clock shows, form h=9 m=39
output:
h=3 m=3
